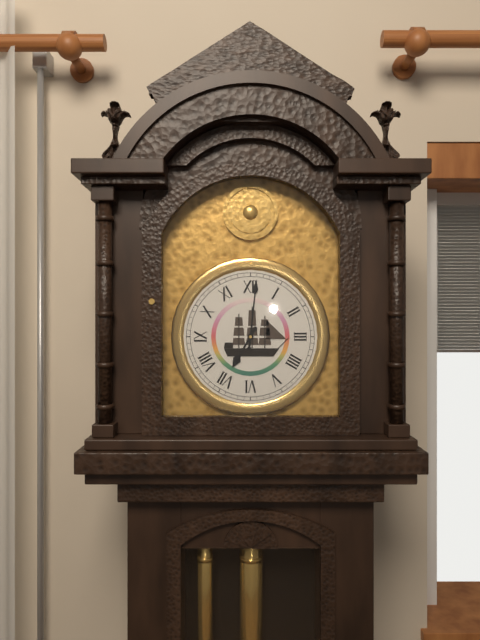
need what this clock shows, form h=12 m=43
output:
h=7 m=1
